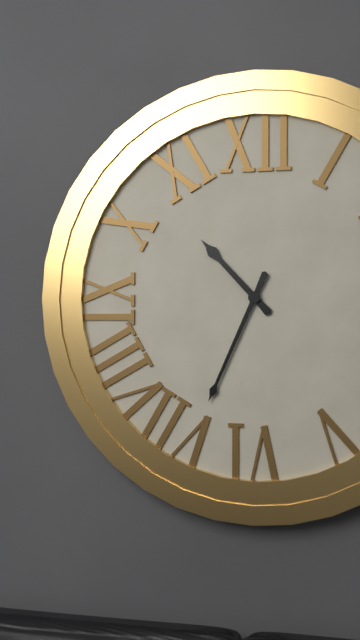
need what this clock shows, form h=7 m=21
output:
h=10 m=34
